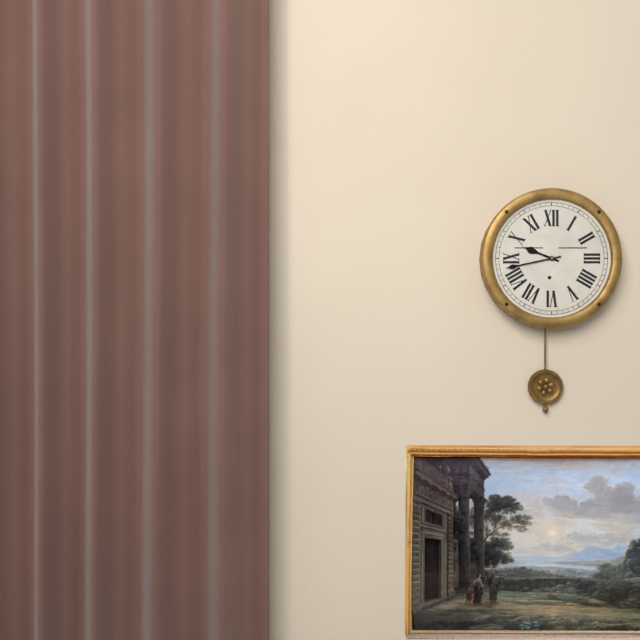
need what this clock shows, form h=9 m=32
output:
h=9 m=43
